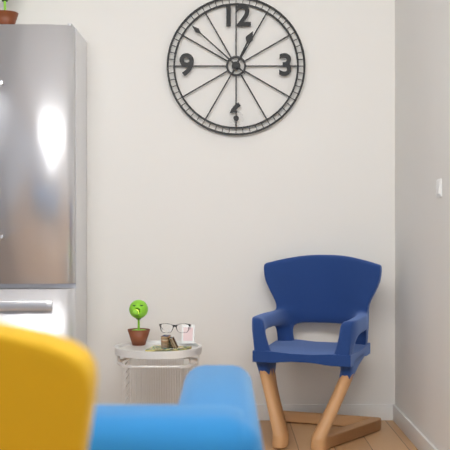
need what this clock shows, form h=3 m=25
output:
h=12 m=52
